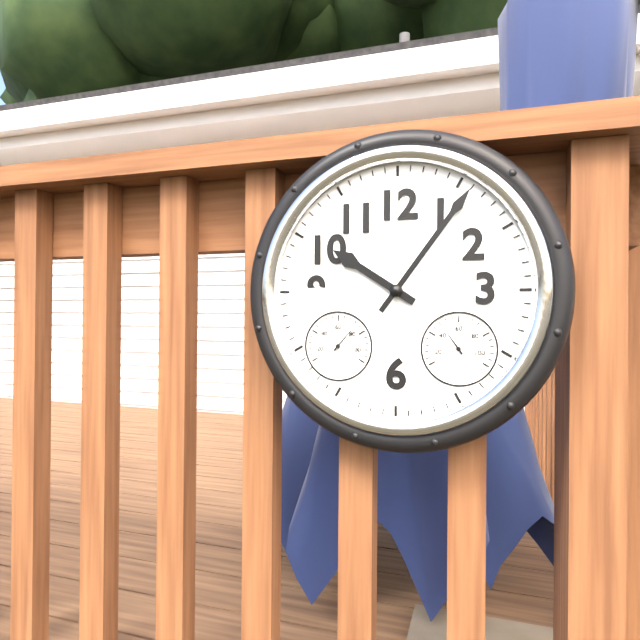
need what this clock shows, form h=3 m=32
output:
h=10 m=6
